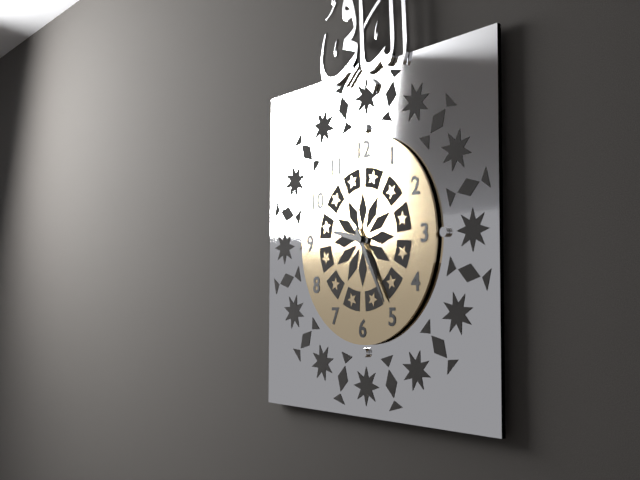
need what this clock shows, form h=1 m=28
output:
h=9 m=25
